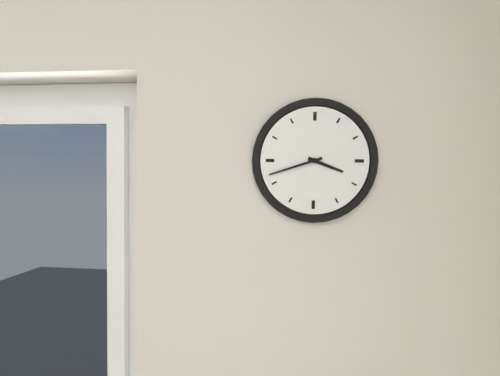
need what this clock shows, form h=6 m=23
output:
h=3 m=42
